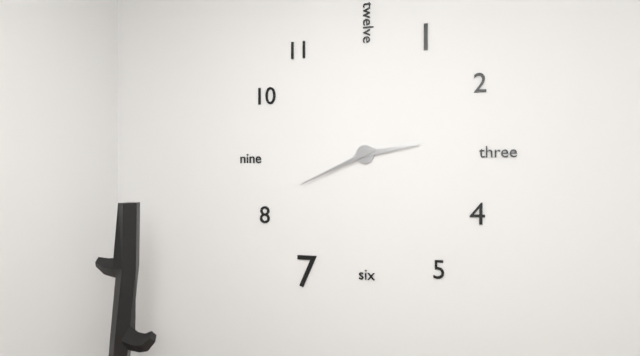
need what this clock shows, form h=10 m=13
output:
h=2 m=41
